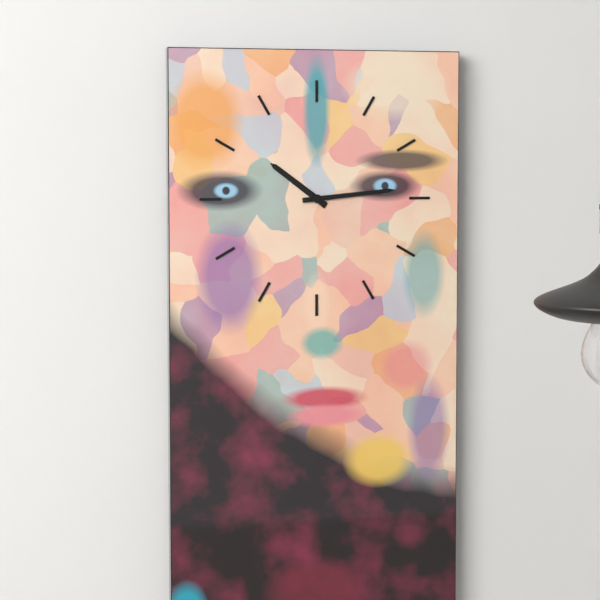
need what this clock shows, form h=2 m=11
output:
h=10 m=14
